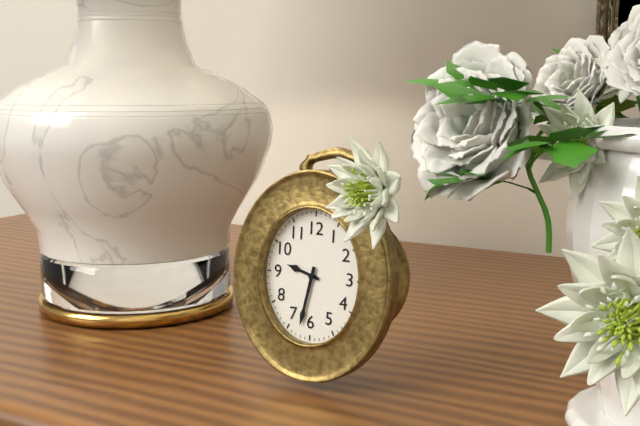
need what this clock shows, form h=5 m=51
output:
h=9 m=32
